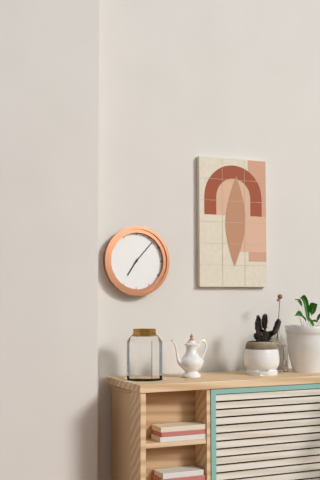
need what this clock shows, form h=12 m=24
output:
h=7 m=7
